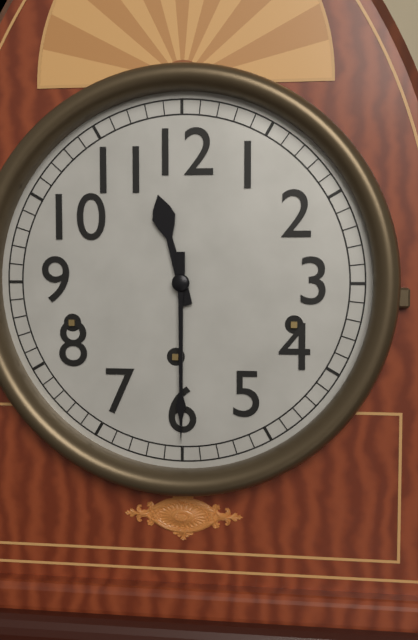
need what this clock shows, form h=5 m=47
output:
h=11 m=30
